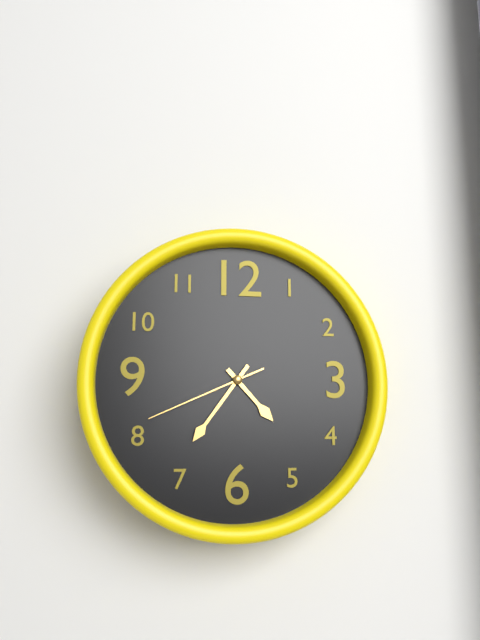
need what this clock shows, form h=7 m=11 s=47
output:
h=4 m=36 s=41
